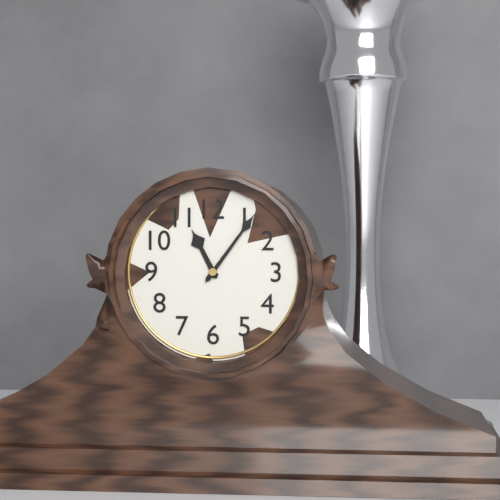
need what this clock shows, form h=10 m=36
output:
h=11 m=6
